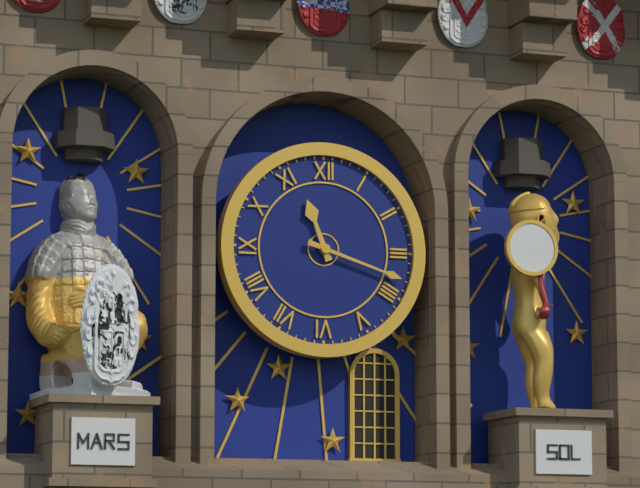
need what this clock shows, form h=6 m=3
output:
h=11 m=18
